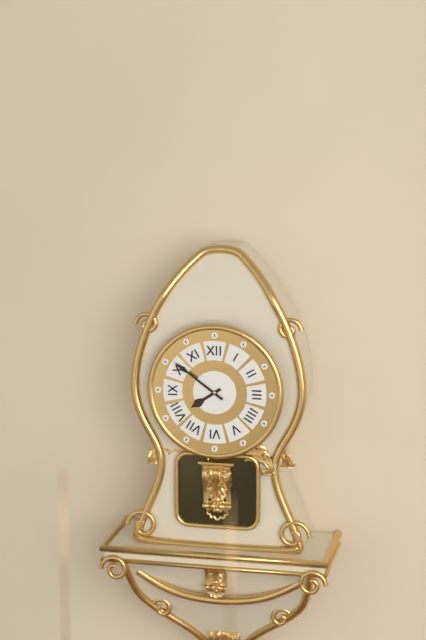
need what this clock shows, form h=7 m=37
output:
h=7 m=51
